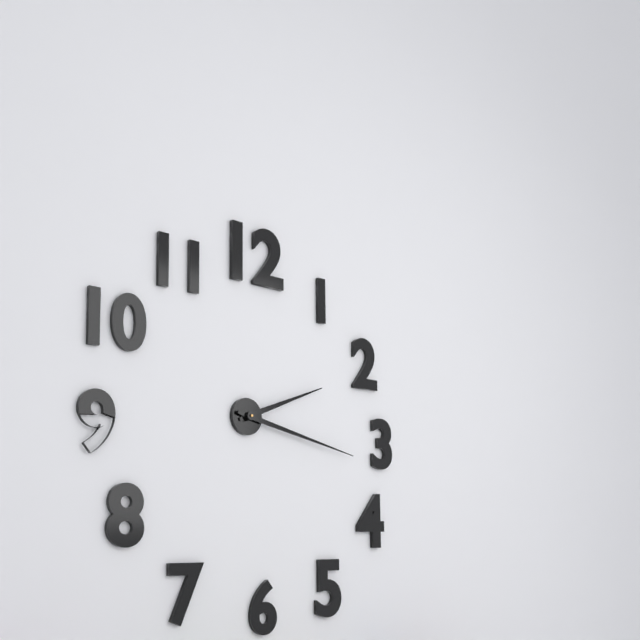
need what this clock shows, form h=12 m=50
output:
h=2 m=17
